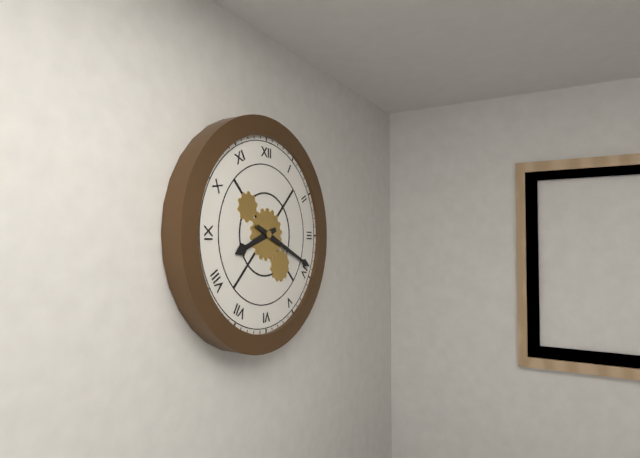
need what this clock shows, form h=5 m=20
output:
h=8 m=19
